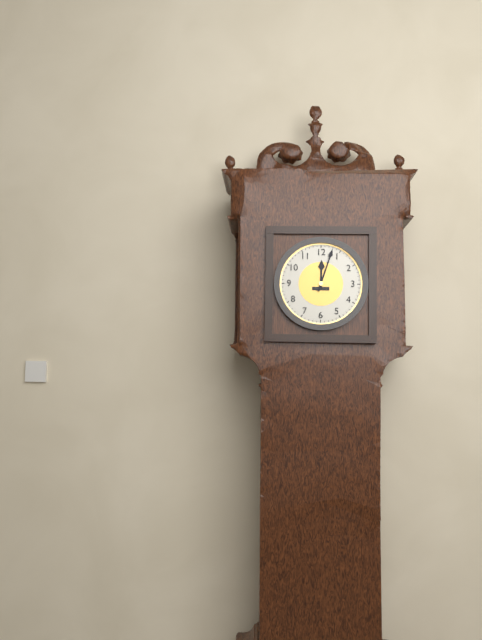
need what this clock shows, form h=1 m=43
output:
h=12 m=3
